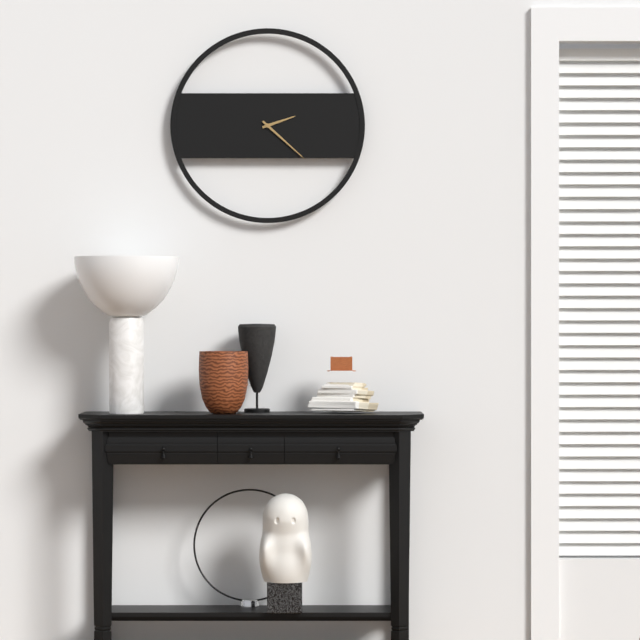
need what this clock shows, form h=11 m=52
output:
h=2 m=22
